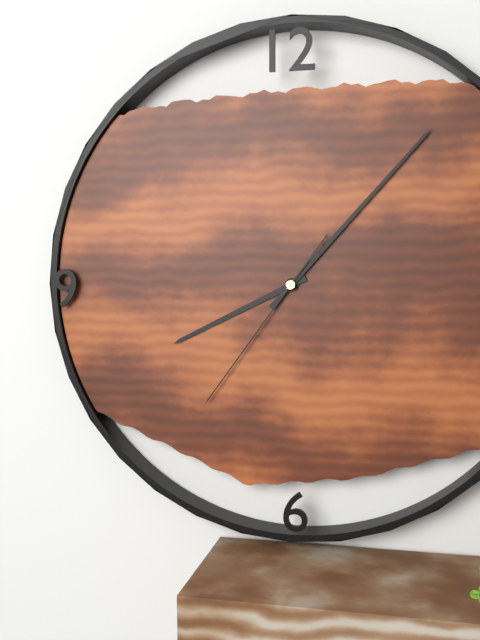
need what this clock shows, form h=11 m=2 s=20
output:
h=8 m=7 s=36
